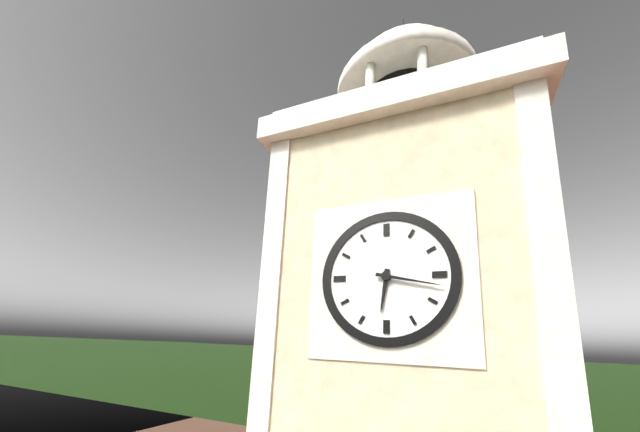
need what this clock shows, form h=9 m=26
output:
h=6 m=17
